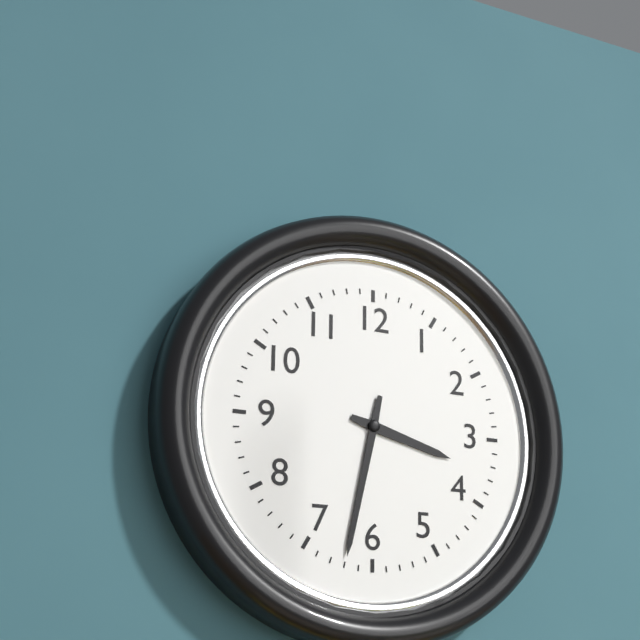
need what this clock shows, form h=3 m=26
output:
h=3 m=32
